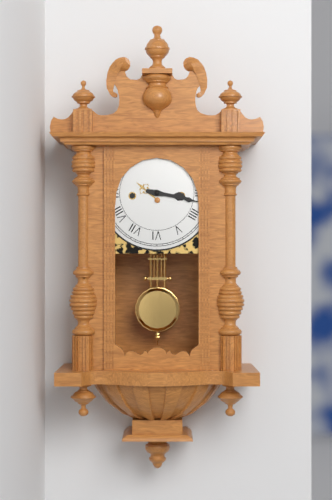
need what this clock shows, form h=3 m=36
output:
h=3 m=17
